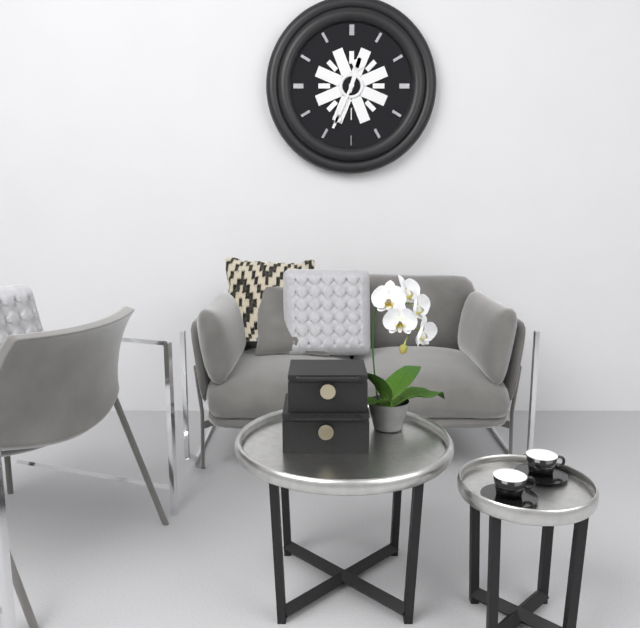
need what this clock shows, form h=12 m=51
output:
h=12 m=34
